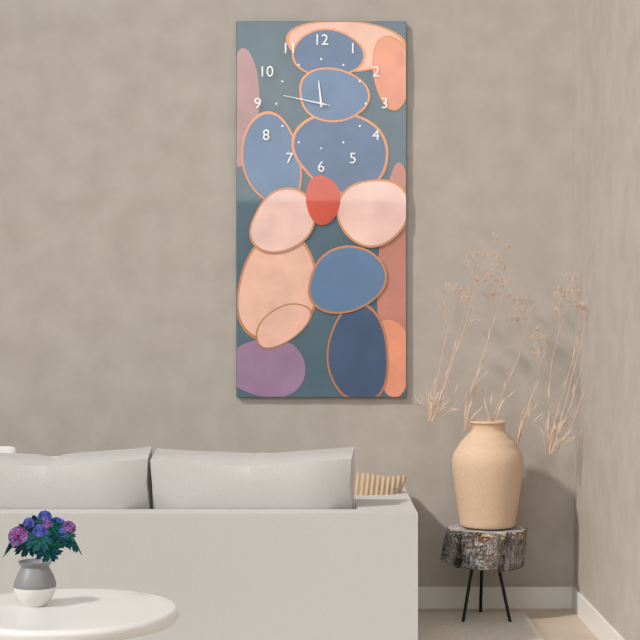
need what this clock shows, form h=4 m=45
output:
h=11 m=47
